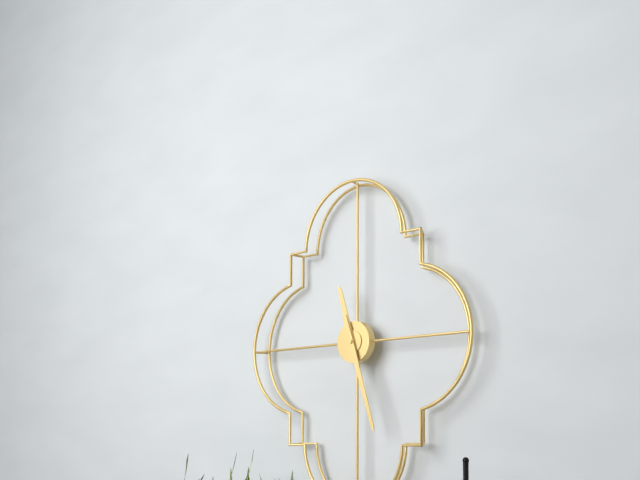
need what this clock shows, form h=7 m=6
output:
h=11 m=27
